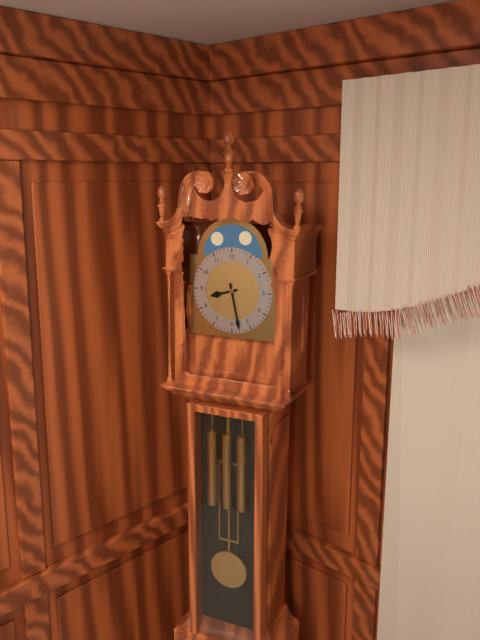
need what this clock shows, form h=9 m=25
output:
h=8 m=28
